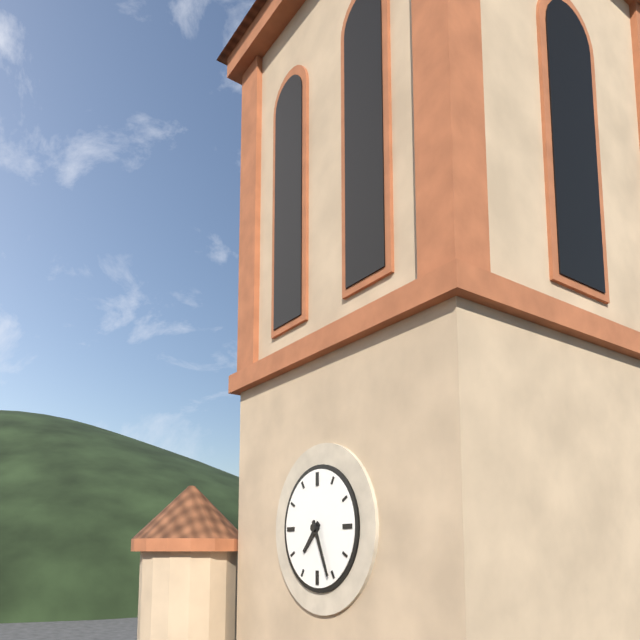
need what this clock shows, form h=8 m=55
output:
h=7 m=26
